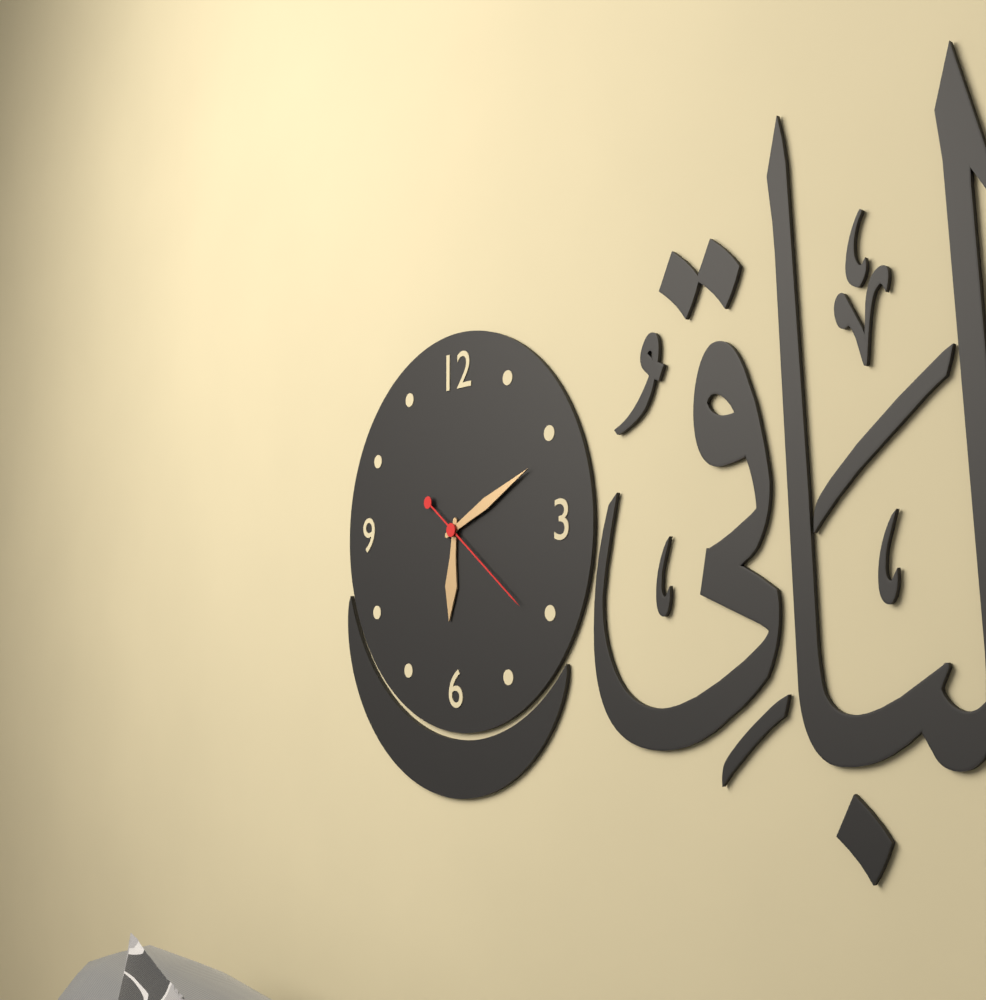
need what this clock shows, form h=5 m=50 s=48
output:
h=6 m=11 s=21
